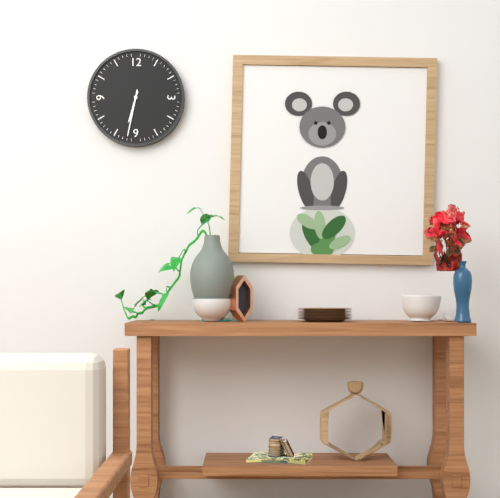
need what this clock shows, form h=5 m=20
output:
h=6 m=32
